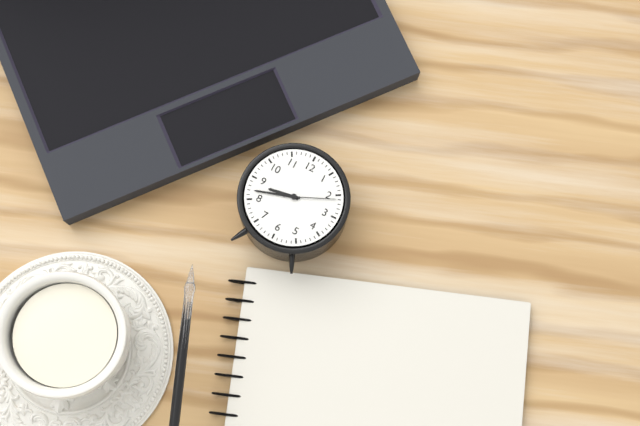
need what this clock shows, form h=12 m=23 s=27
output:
h=8 m=42 s=11
